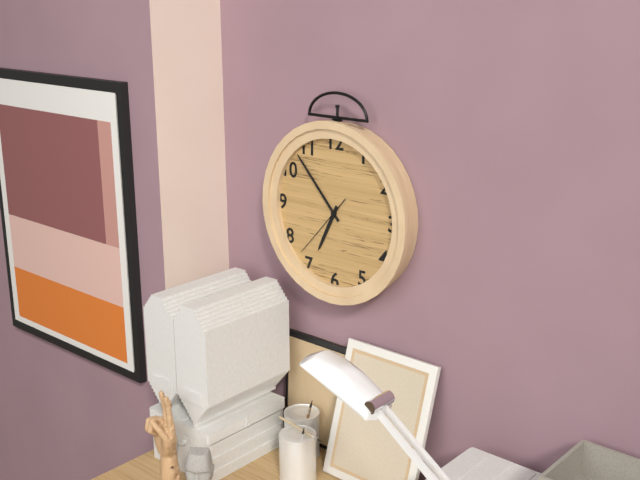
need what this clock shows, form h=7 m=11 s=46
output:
h=6 m=53 s=37
